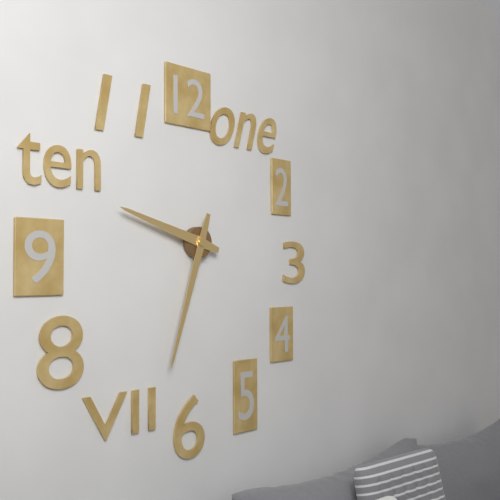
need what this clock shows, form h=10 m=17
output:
h=9 m=33
